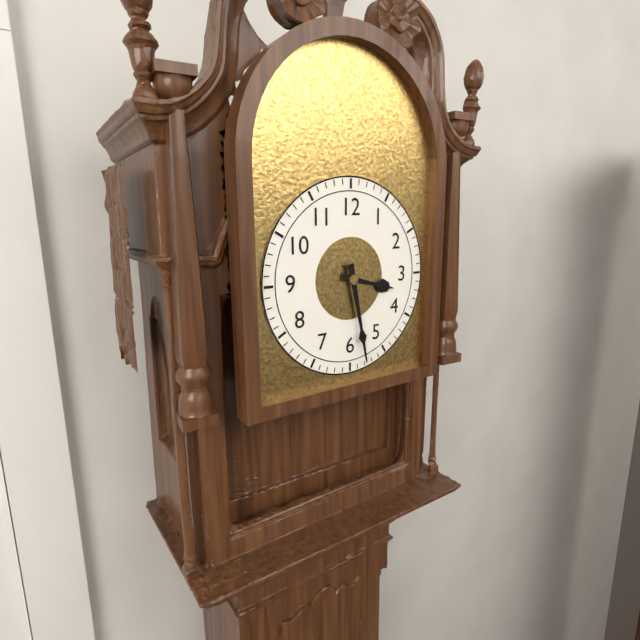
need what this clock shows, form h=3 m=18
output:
h=3 m=28
